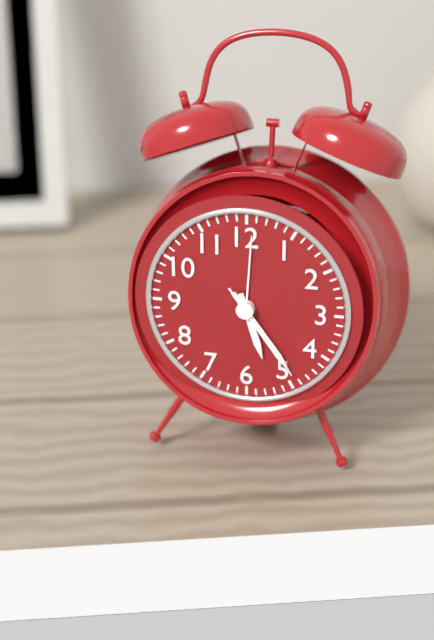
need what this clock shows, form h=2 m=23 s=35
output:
h=5 m=24 s=24
